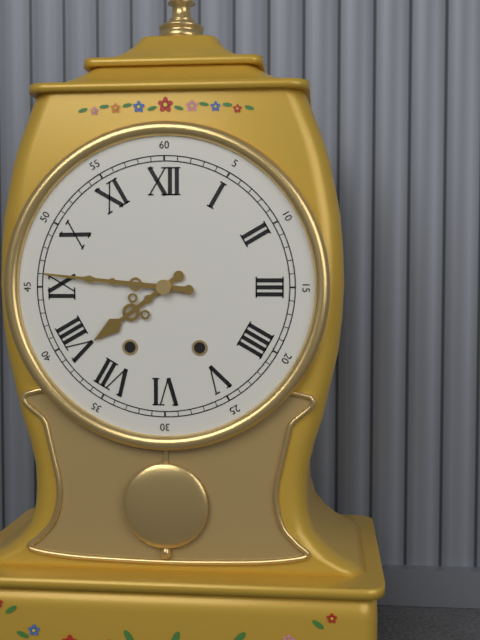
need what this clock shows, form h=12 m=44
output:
h=7 m=46
